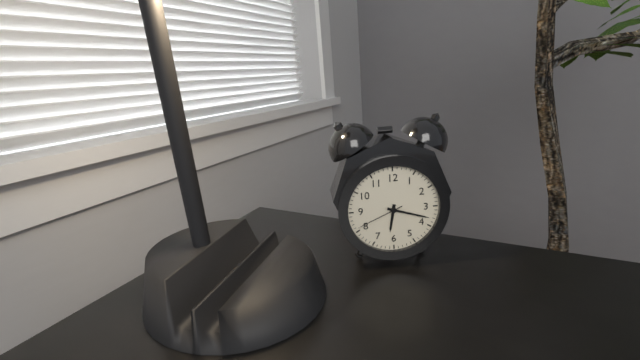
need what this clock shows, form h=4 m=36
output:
h=6 m=18
